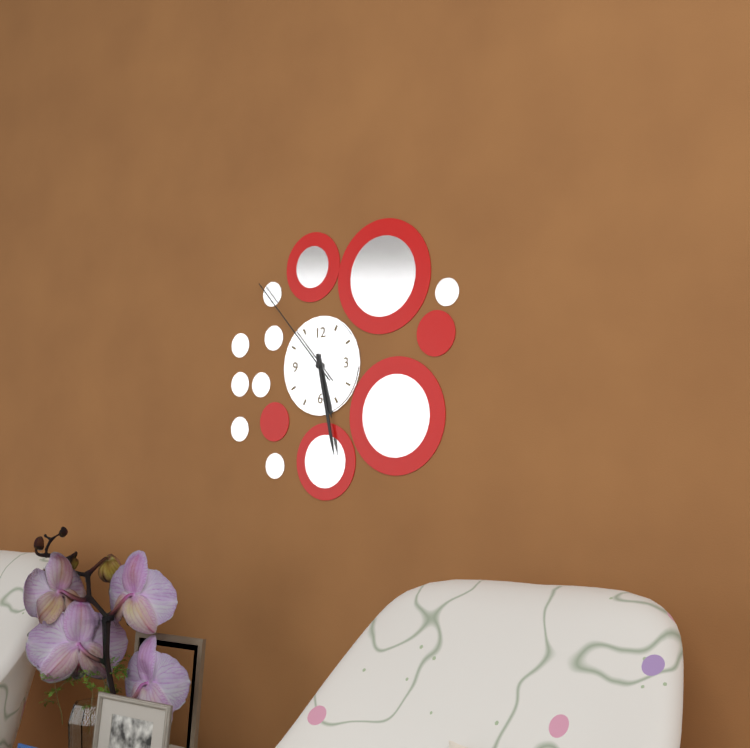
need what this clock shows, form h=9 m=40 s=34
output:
h=5 m=28 s=53
